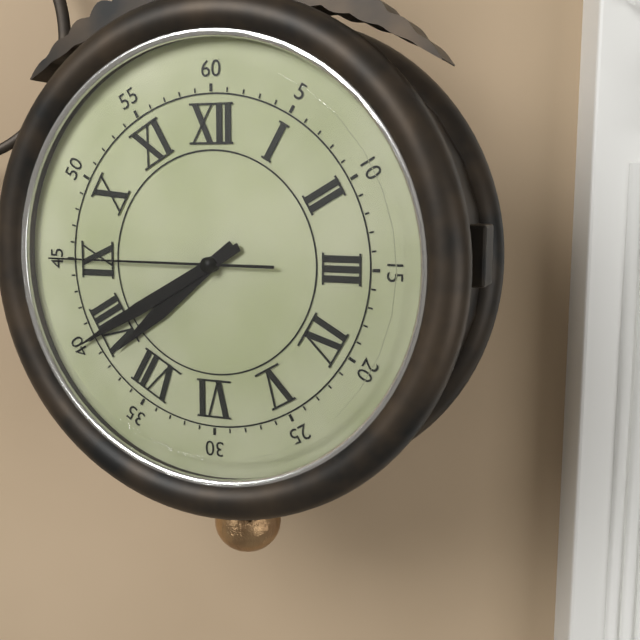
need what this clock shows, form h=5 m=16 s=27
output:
h=7 m=40 s=45
